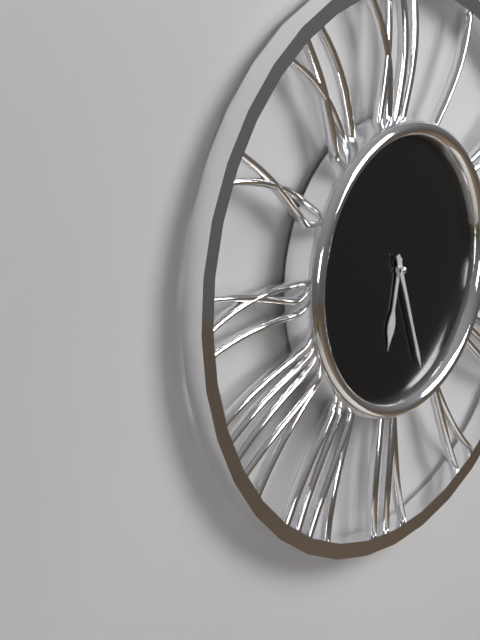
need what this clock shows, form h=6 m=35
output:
h=6 m=27
